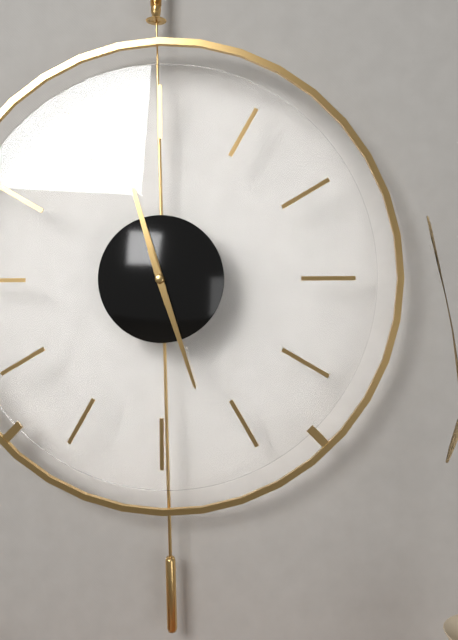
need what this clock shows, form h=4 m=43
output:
h=11 m=27
